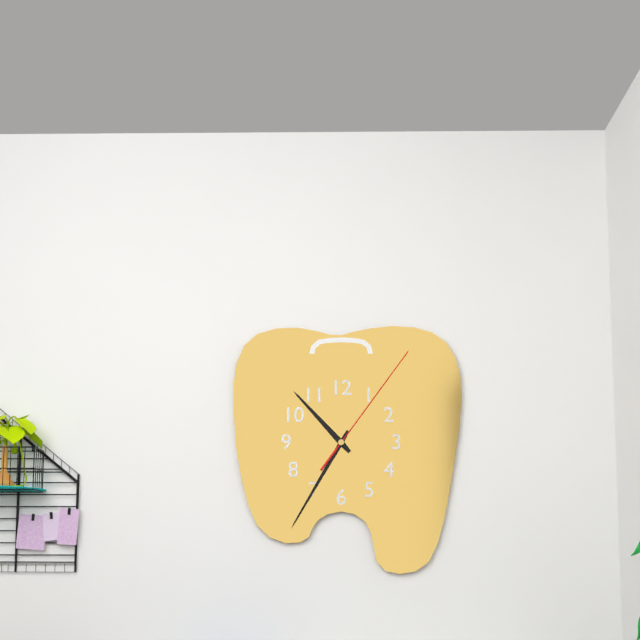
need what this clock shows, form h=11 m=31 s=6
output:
h=10 m=35 s=6
